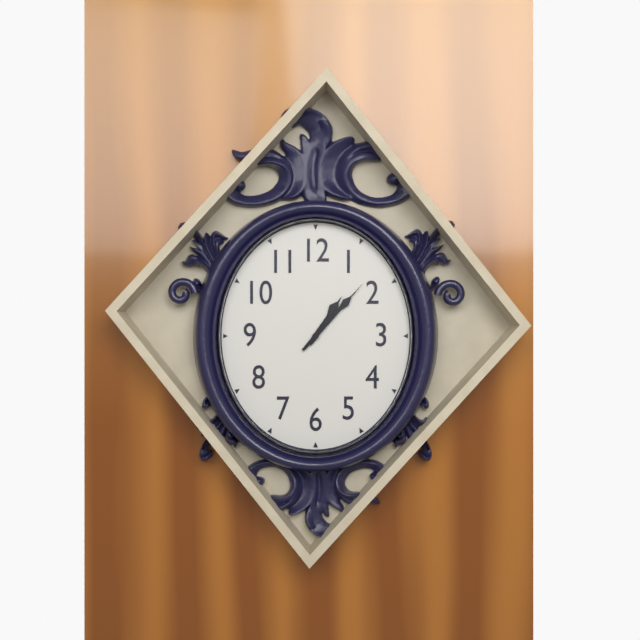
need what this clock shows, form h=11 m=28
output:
h=1 m=7
